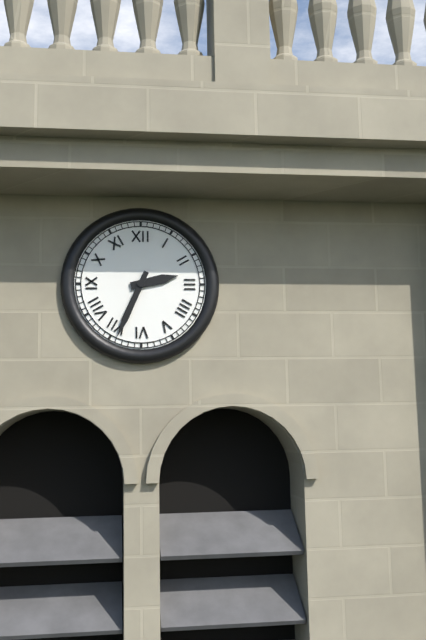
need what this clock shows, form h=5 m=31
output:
h=2 m=34
